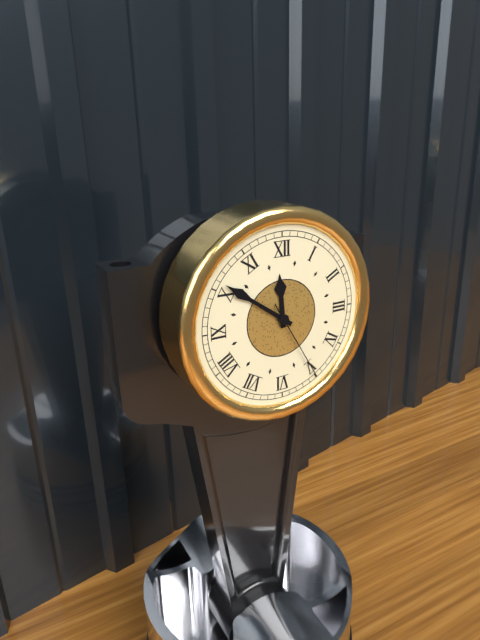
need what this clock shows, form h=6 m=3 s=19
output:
h=11 m=51 s=25
